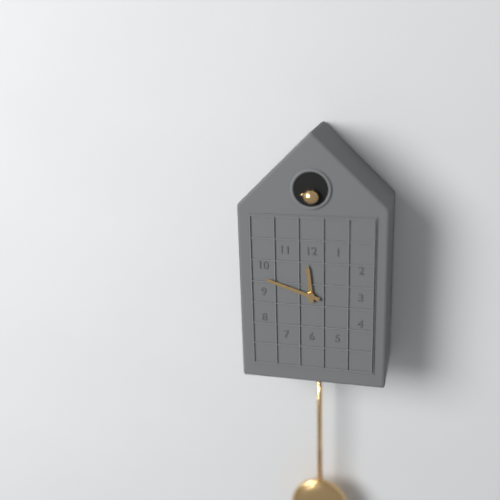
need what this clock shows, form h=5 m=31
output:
h=11 m=48
